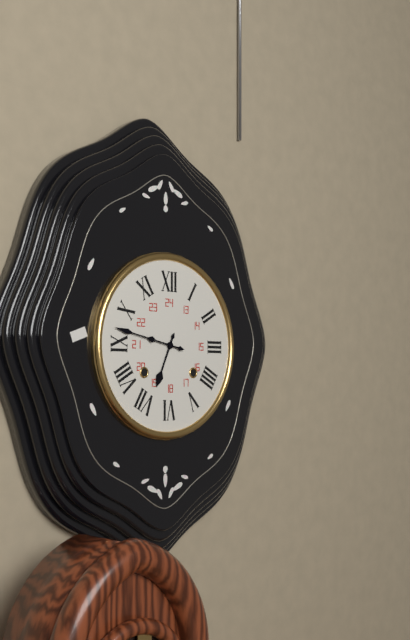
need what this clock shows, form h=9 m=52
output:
h=6 m=47
